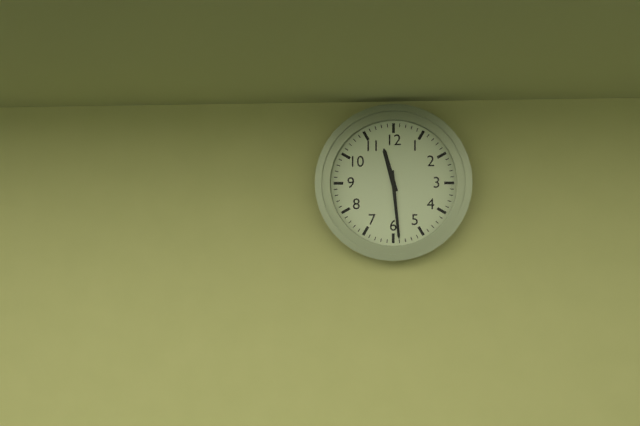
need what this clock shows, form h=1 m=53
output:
h=11 m=29
